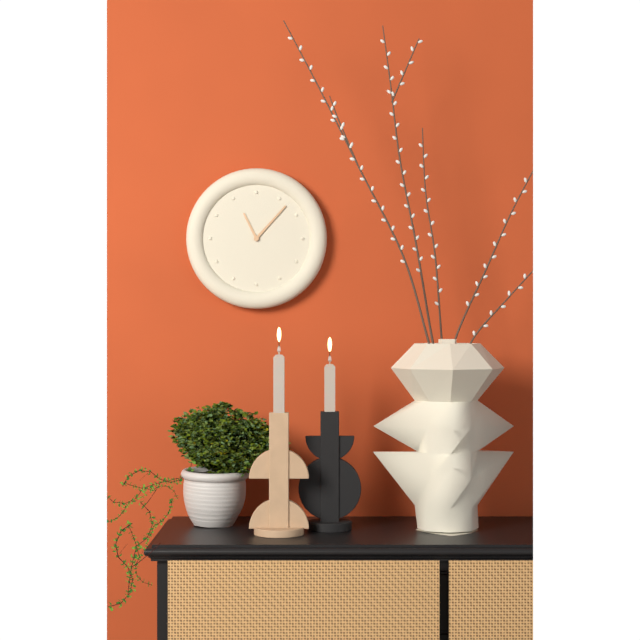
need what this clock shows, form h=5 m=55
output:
h=11 m=7
